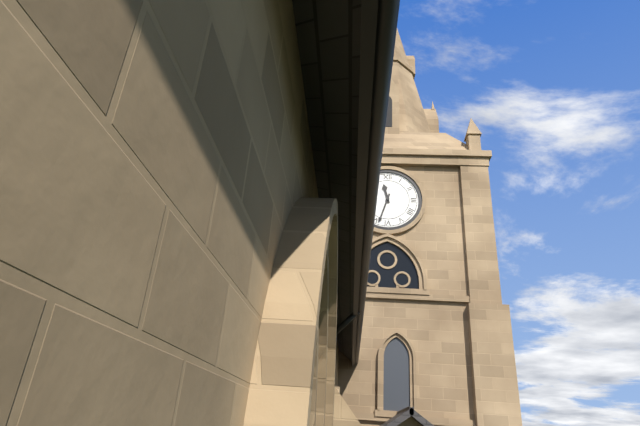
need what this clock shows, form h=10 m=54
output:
h=11 m=33
